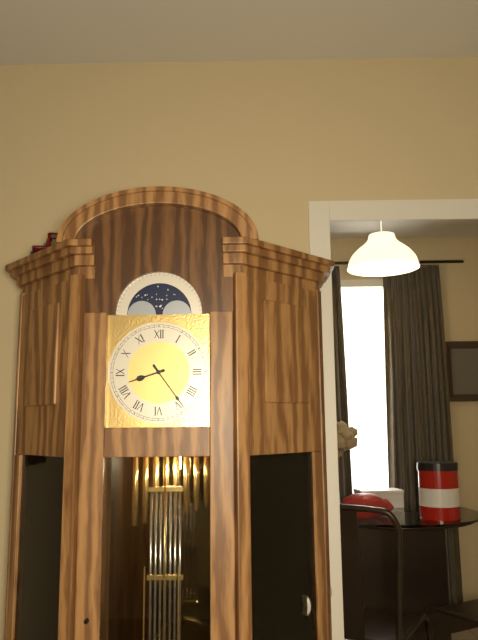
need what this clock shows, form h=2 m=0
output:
h=8 m=24
